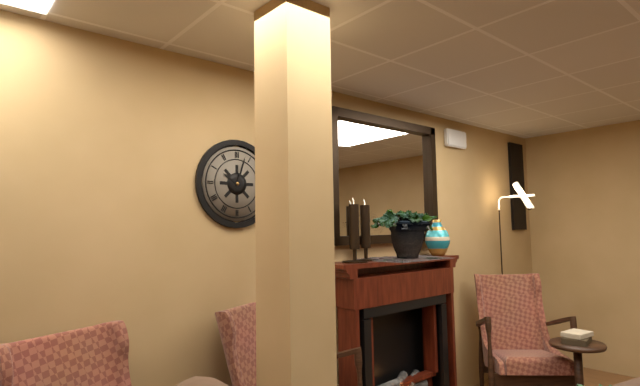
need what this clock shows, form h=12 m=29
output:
h=10 m=3
